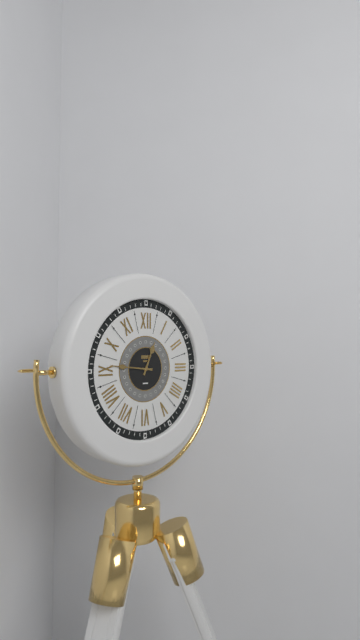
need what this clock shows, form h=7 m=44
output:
h=12 m=46
